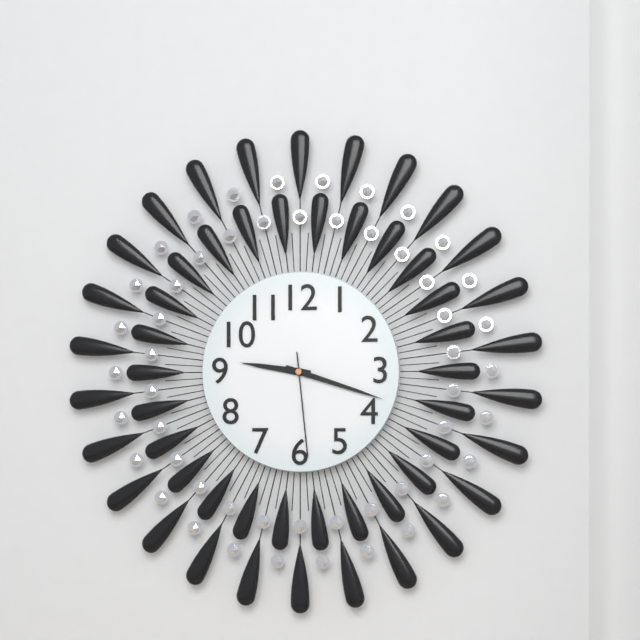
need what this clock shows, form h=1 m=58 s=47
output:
h=9 m=18 s=29
